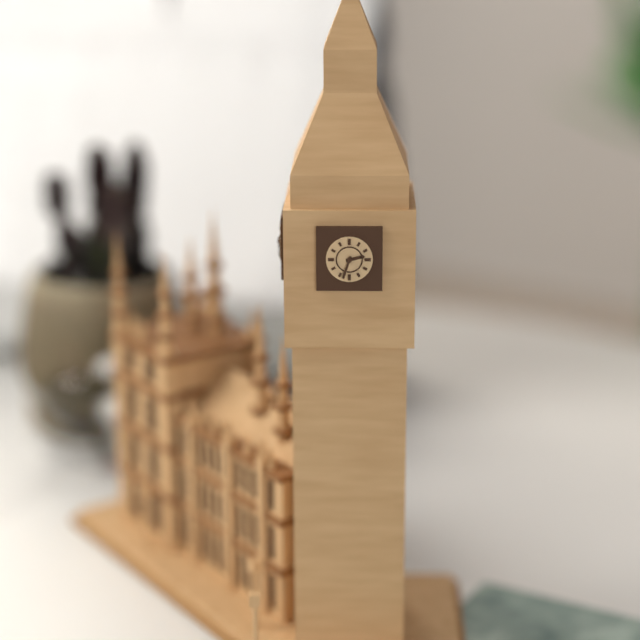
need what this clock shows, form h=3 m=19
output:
h=2 m=33
